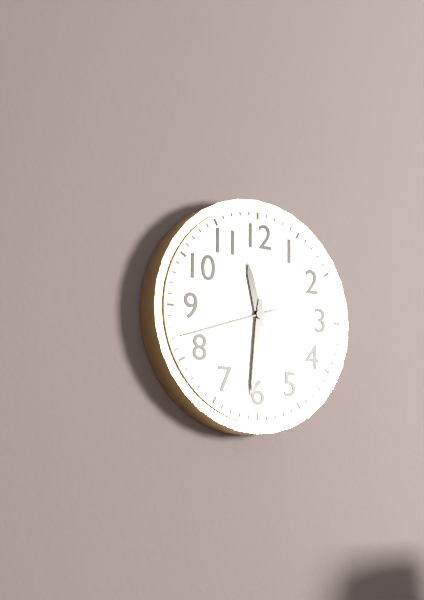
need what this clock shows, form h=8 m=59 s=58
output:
h=11 m=31 s=42
